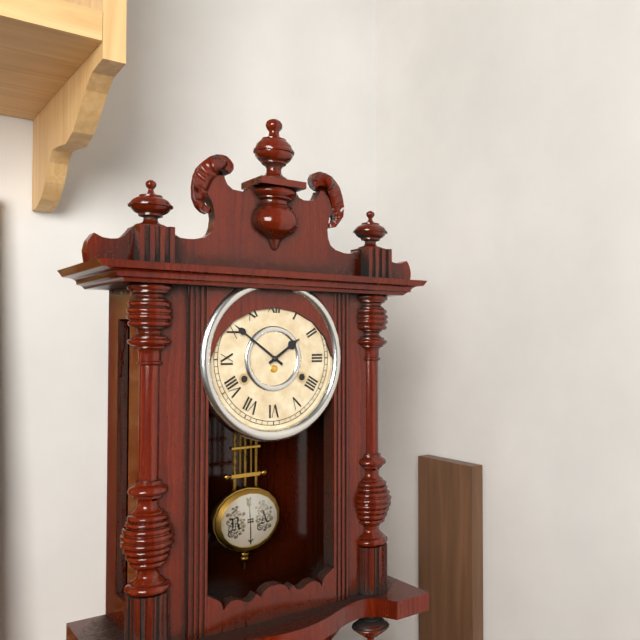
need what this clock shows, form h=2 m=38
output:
h=1 m=51
